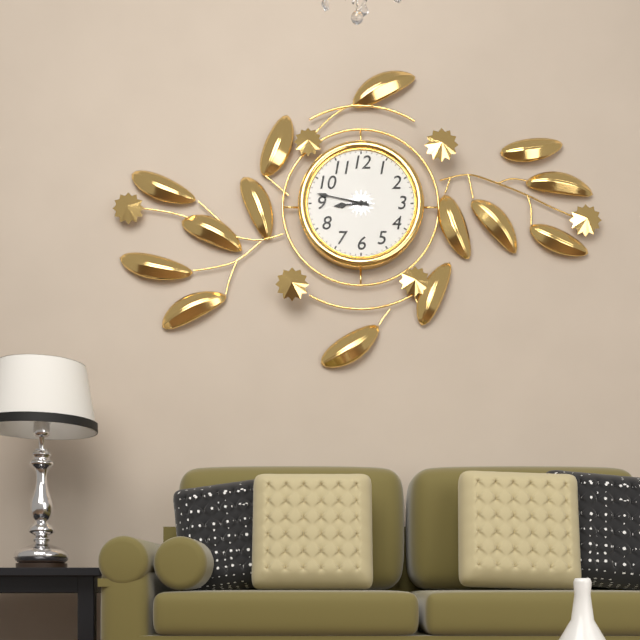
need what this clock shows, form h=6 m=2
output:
h=8 m=47
